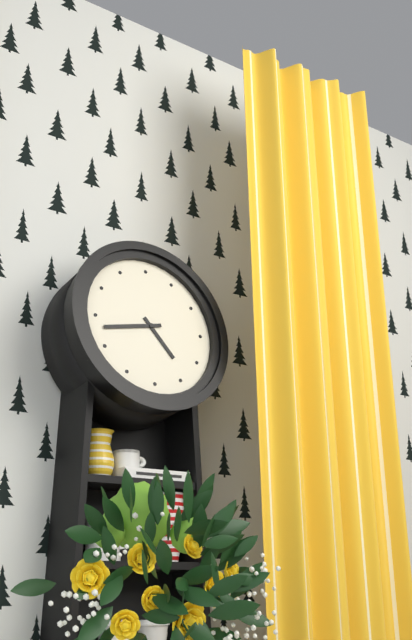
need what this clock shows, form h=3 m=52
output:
h=4 m=43
